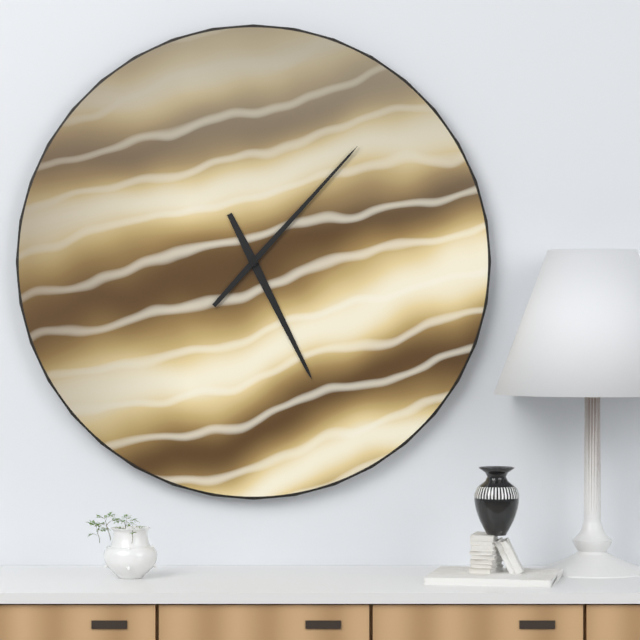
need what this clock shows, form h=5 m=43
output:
h=5 m=7
